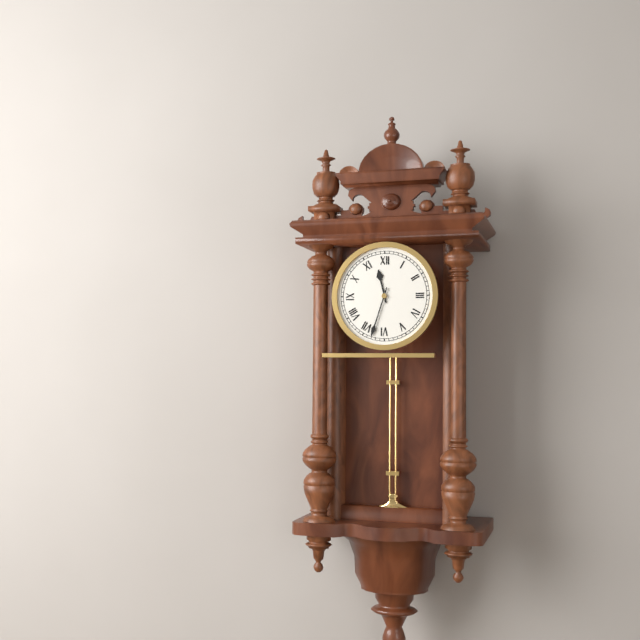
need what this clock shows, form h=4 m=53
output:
h=11 m=33
